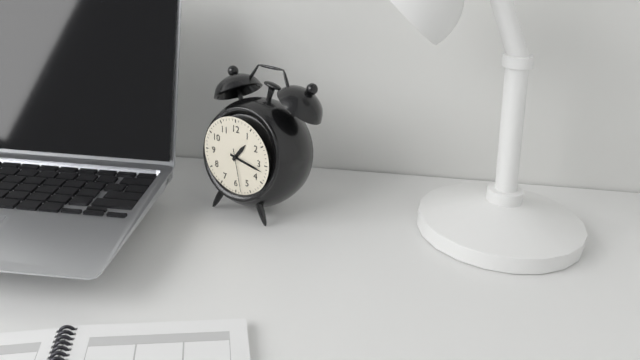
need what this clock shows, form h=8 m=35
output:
h=1 m=17
